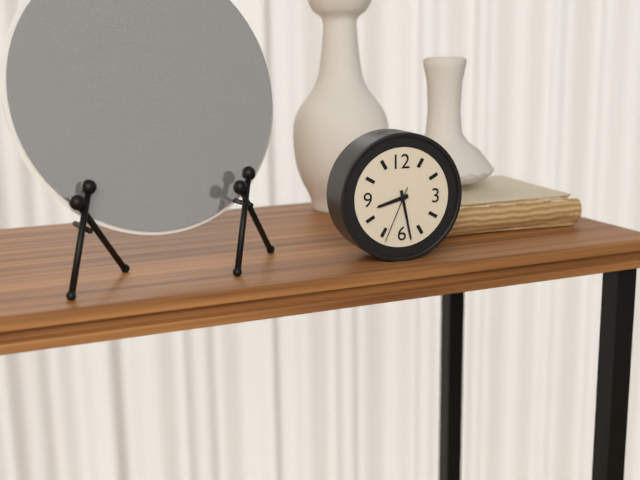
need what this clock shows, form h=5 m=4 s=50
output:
h=8 m=28 s=34
